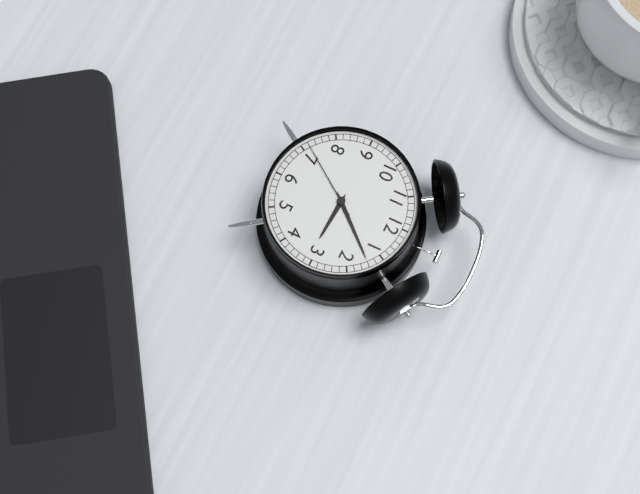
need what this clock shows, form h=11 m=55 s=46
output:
h=3 m=7 s=36
